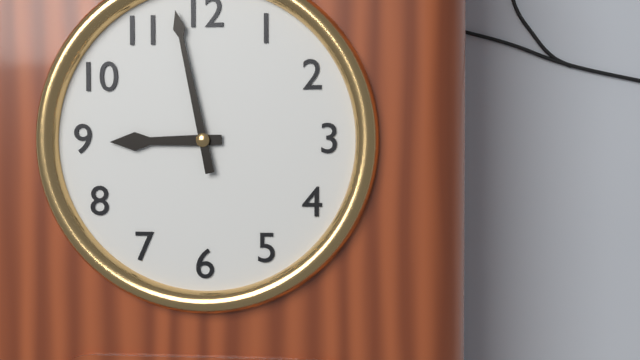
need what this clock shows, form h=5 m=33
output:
h=8 m=58
